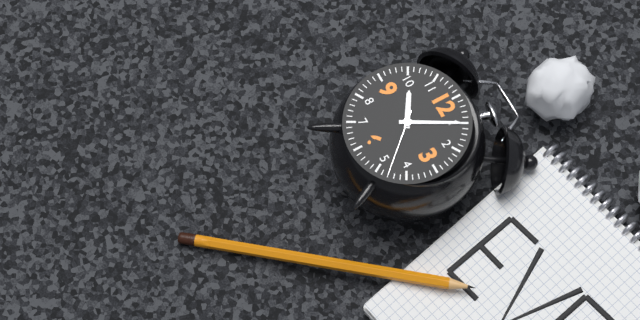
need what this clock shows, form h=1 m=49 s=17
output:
h=10 m=5 s=23
